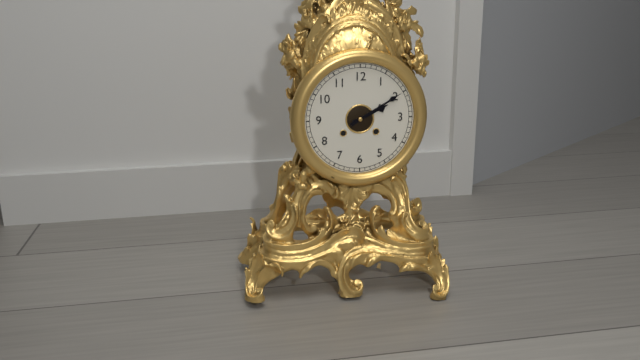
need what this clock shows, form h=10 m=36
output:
h=2 m=10
